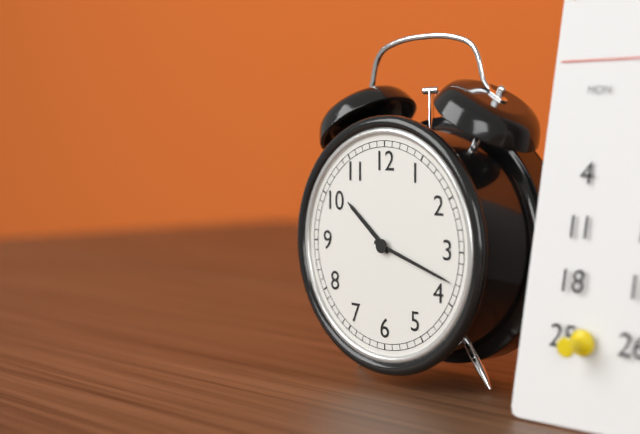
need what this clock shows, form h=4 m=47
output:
h=10 m=18
